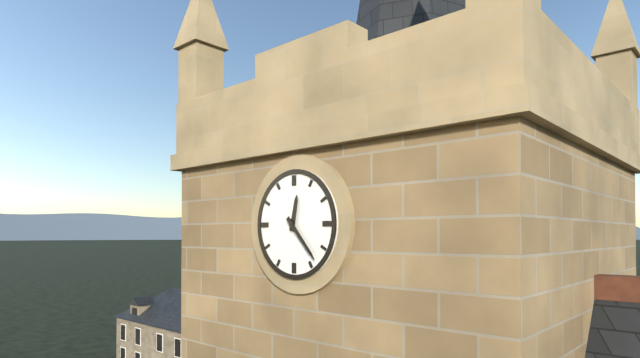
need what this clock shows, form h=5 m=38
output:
h=12 m=23
